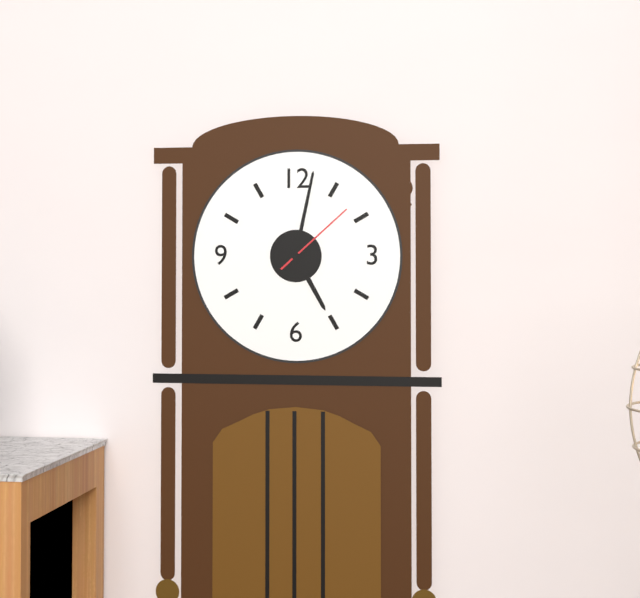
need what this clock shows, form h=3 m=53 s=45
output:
h=5 m=2 s=8
